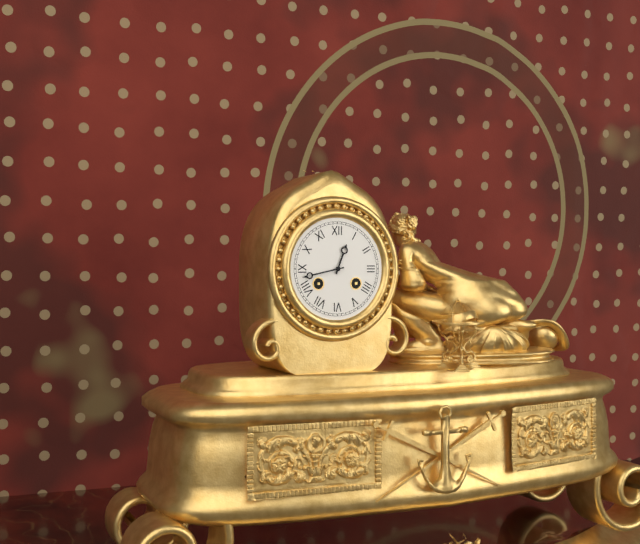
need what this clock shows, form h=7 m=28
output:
h=12 m=43
